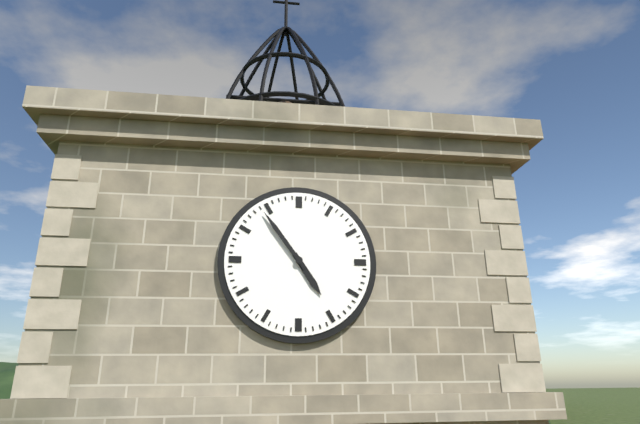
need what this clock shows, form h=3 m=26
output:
h=4 m=54
